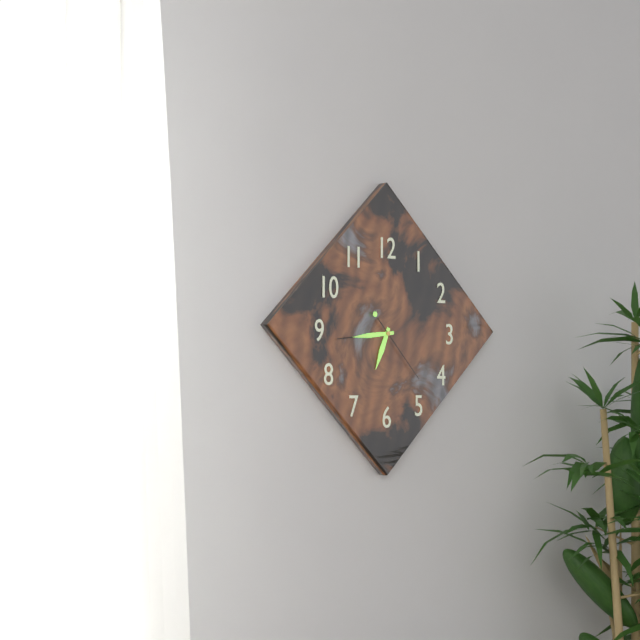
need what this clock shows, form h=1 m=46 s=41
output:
h=6 m=44 s=23
